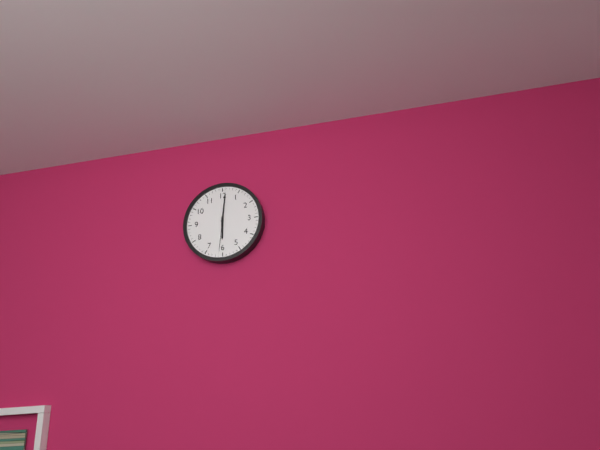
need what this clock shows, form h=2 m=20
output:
h=6 m=1
